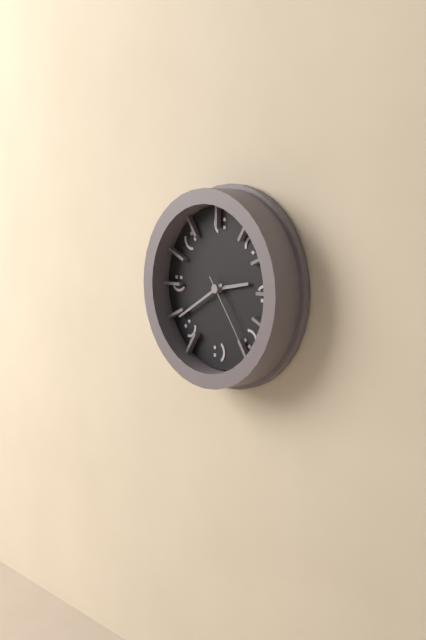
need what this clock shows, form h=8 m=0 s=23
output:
h=2 m=40 s=24
